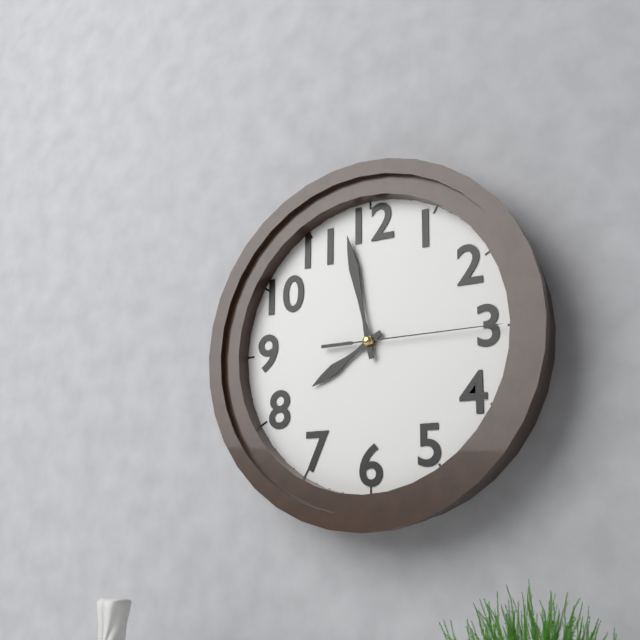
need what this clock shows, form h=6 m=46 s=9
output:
h=7 m=58 s=15
